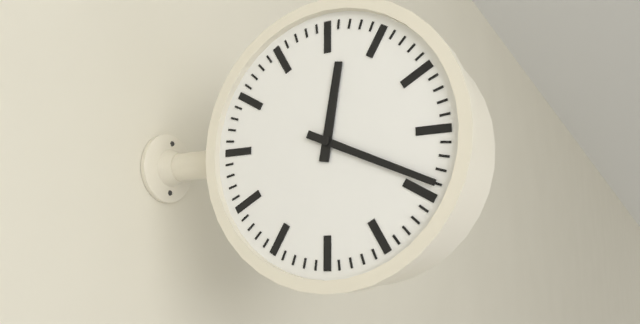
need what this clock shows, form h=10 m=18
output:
h=12 m=19
